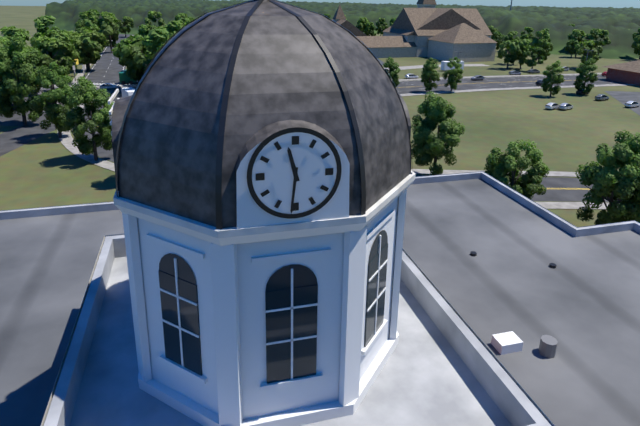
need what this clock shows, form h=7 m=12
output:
h=11 m=31
